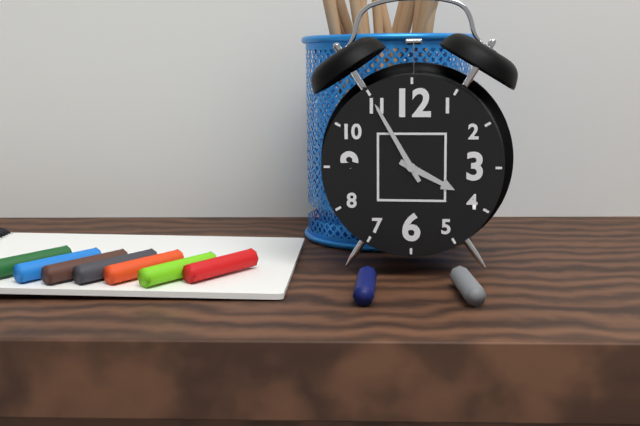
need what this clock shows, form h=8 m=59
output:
h=3 m=55
